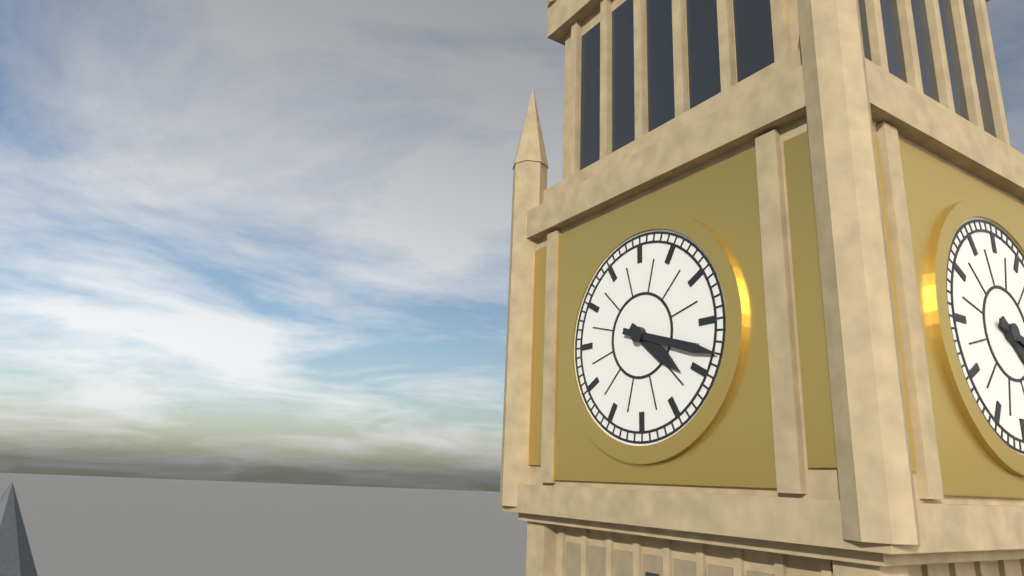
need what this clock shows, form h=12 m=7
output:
h=4 m=18
